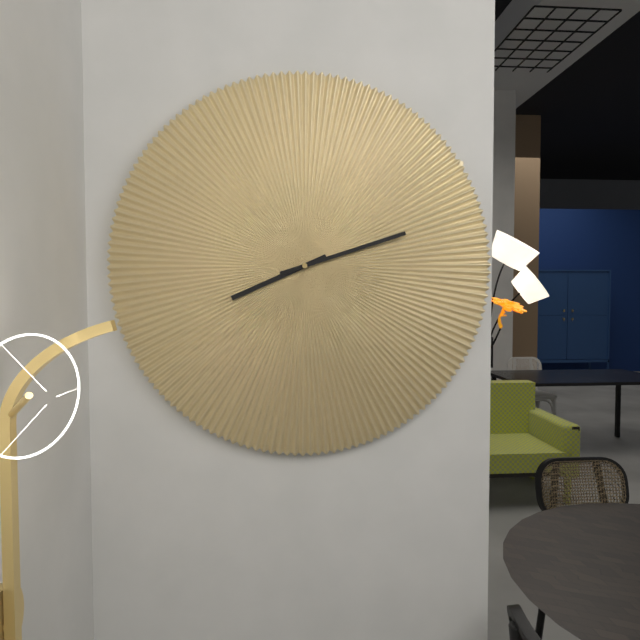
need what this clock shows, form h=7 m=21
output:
h=8 m=12
